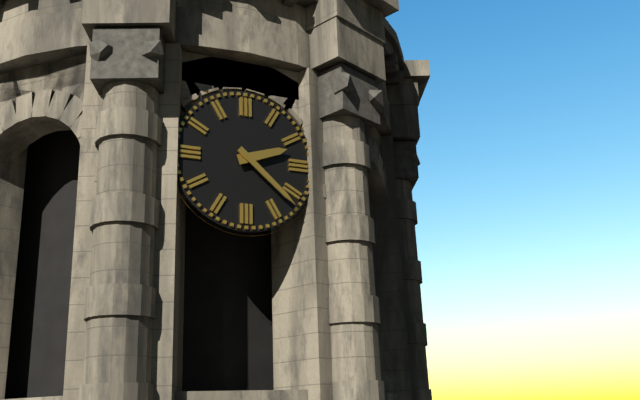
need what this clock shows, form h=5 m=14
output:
h=2 m=22
